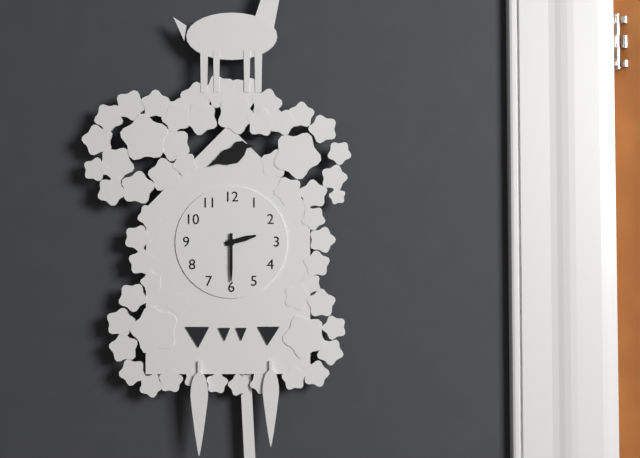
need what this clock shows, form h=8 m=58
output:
h=2 m=30
